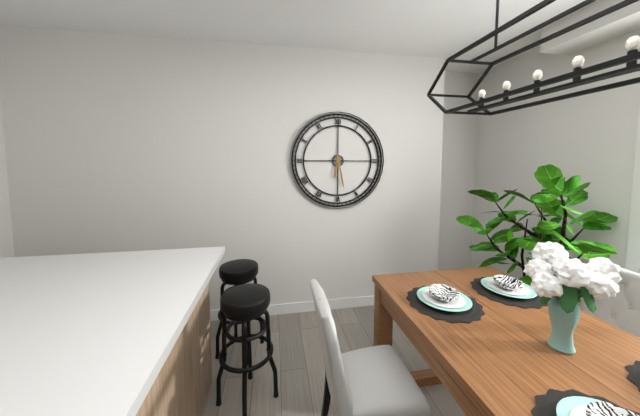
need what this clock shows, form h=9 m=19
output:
h=6 m=28
